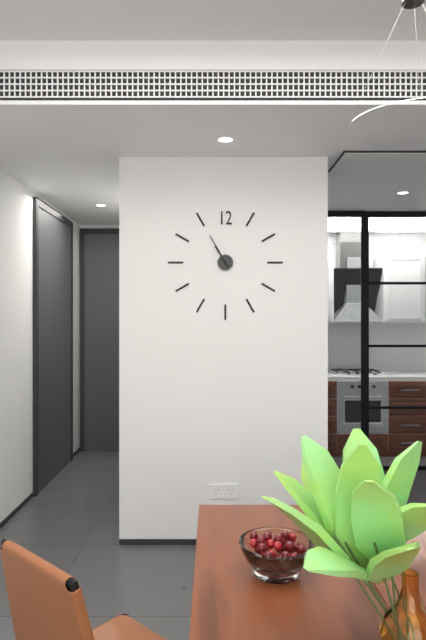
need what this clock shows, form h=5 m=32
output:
h=10 m=55
